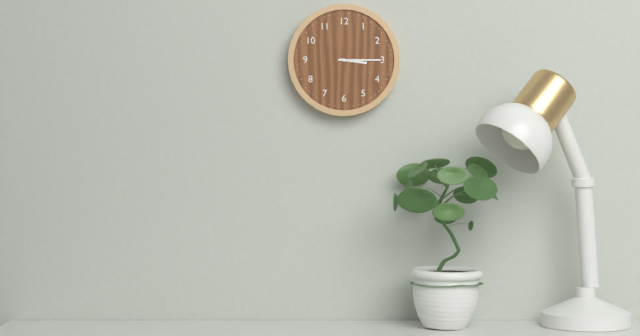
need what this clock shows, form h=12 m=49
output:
h=3 m=15
